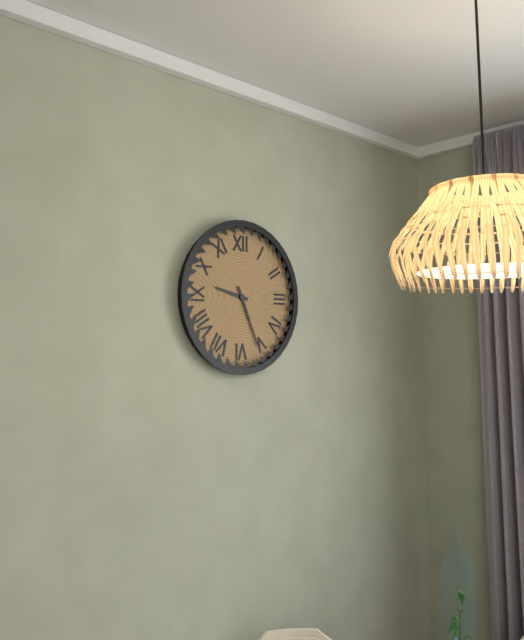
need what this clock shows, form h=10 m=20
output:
h=9 m=26
